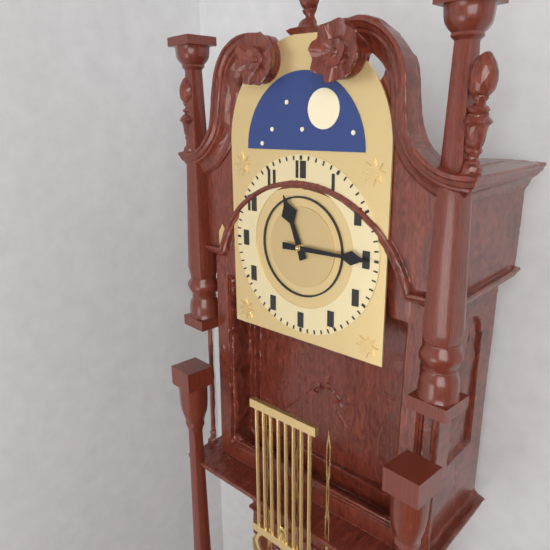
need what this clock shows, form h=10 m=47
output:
h=11 m=15
